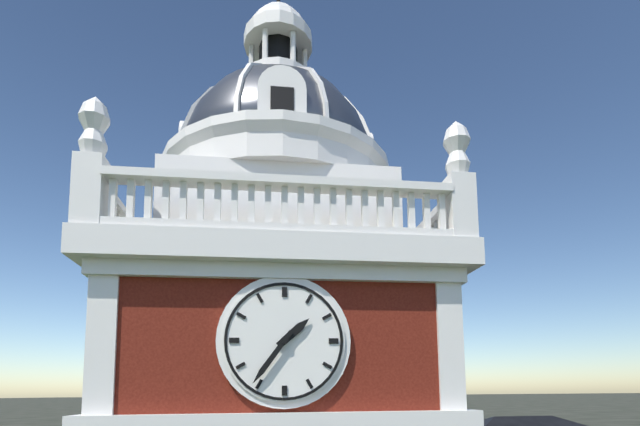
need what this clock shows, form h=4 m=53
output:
h=1 m=36
